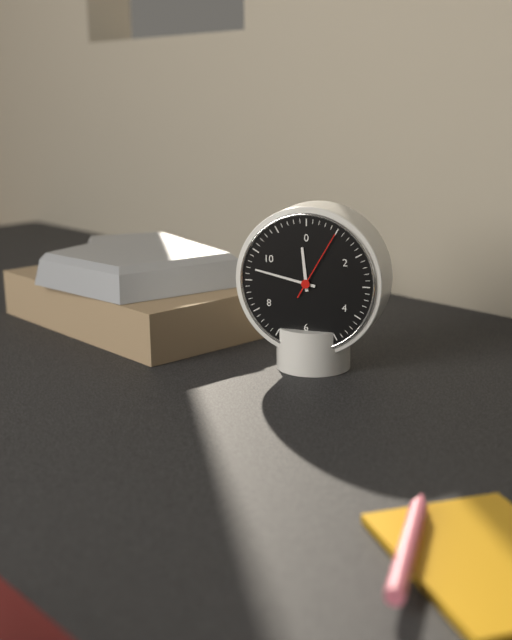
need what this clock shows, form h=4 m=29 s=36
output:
h=11 m=47 s=5
